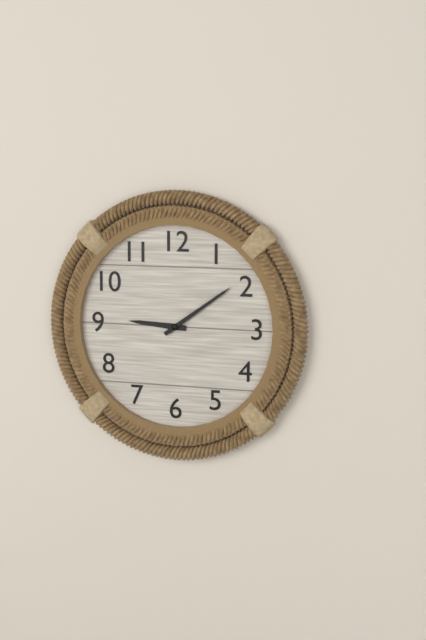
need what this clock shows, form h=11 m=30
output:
h=9 m=9
